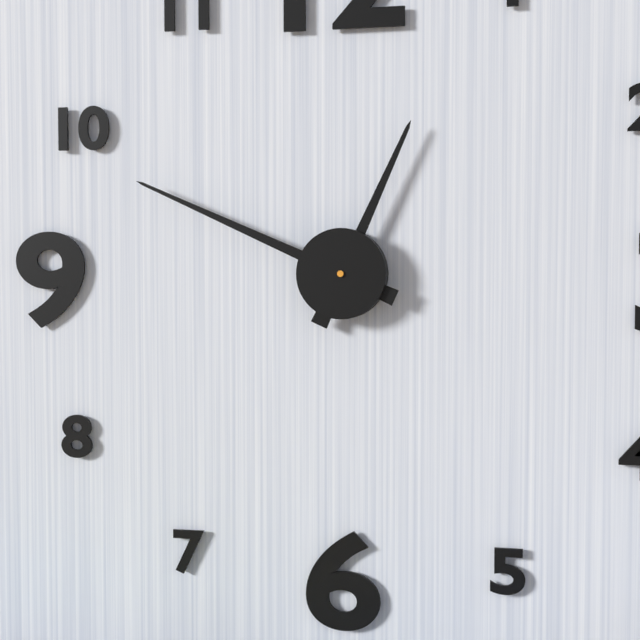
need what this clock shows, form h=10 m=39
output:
h=12 m=49
